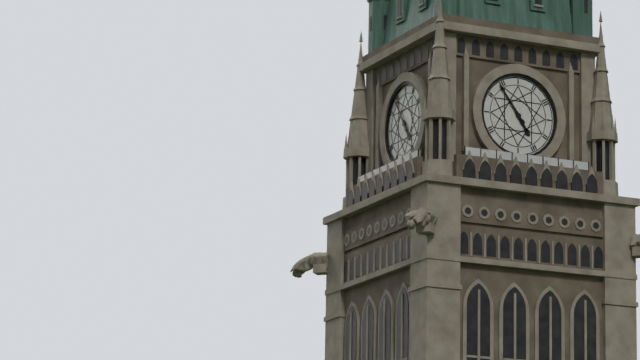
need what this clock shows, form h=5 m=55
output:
h=4 m=54
